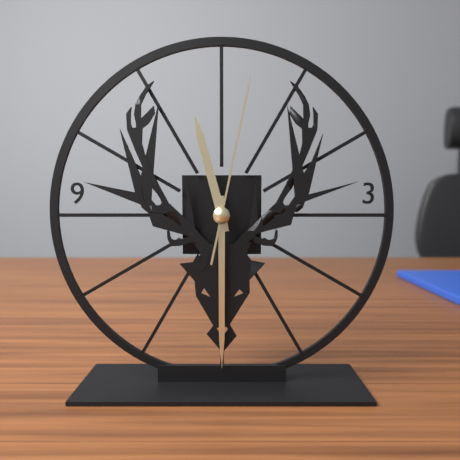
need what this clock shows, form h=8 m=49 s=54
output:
h=11 m=30 s=2
